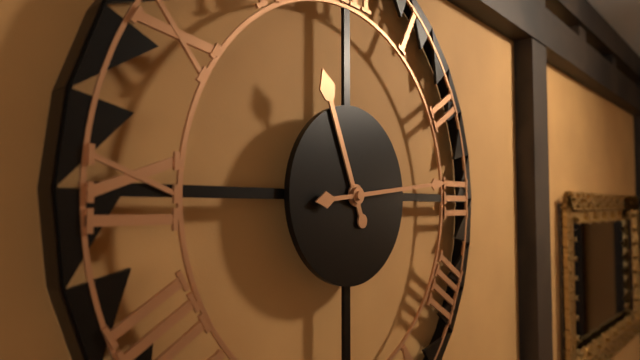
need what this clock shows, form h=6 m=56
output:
h=11 m=14
